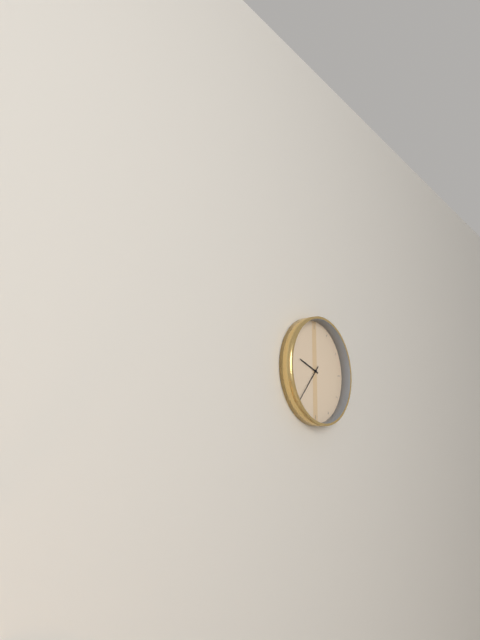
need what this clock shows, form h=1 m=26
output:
h=9 m=37
